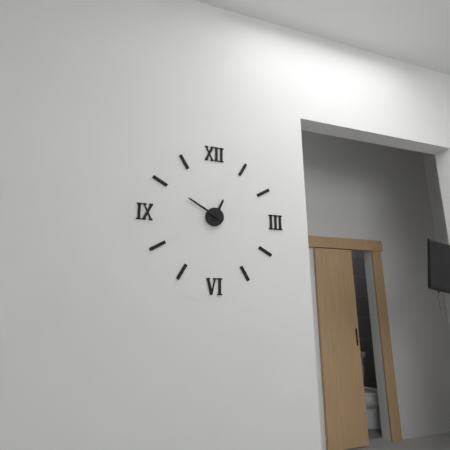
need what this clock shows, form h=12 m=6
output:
h=12 m=50
